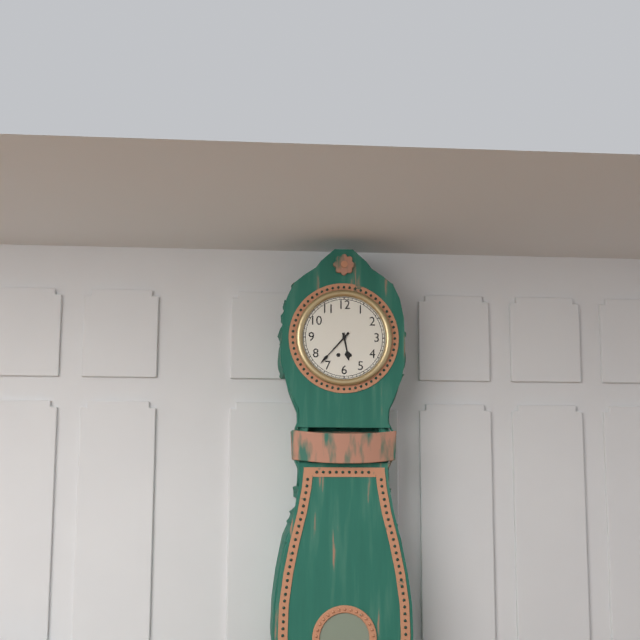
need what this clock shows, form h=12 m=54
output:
h=5 m=37
